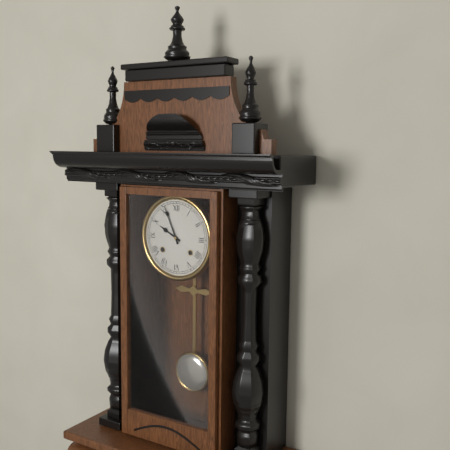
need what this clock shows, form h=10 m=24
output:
h=9 m=56
